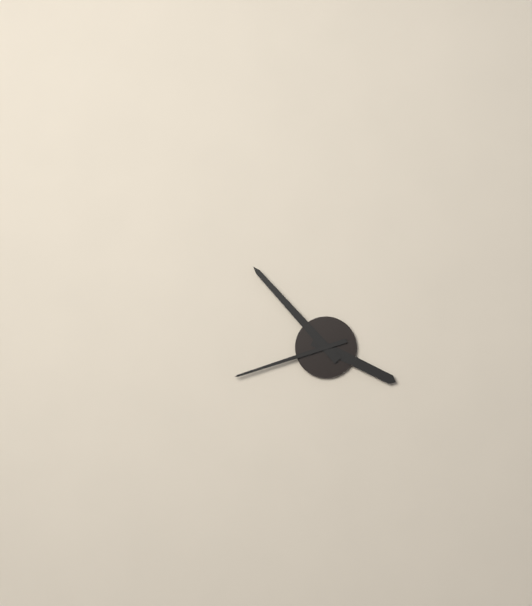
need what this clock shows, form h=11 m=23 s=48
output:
h=3 m=53 s=42
